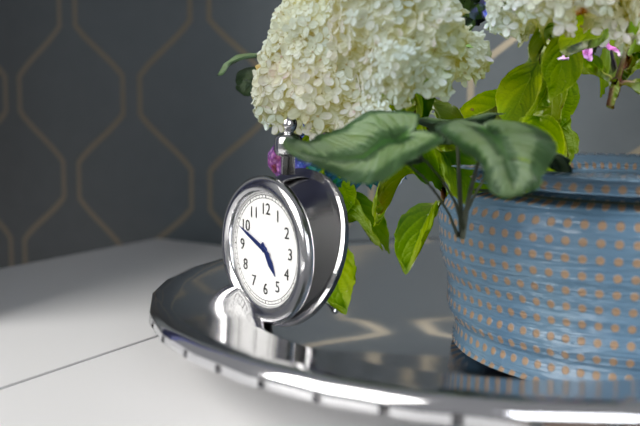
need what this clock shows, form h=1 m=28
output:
h=4 m=49
